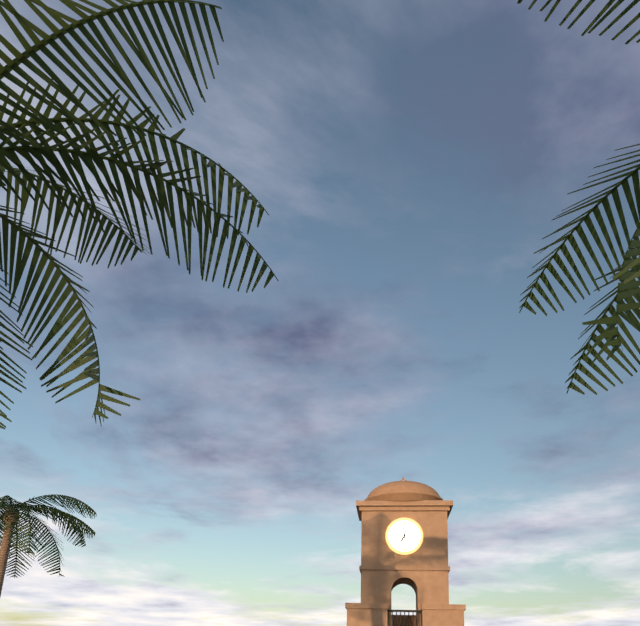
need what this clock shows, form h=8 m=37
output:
h=6 m=59
